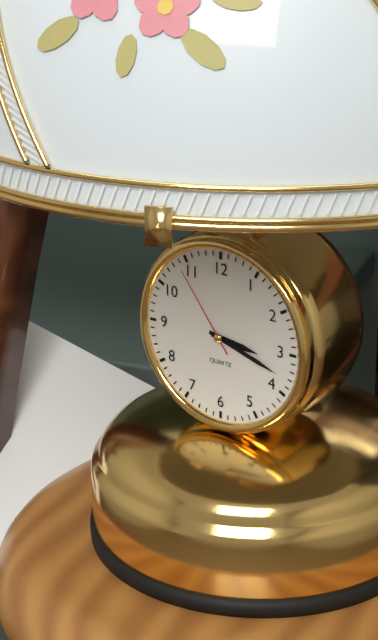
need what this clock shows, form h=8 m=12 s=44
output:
h=3 m=18 s=54
